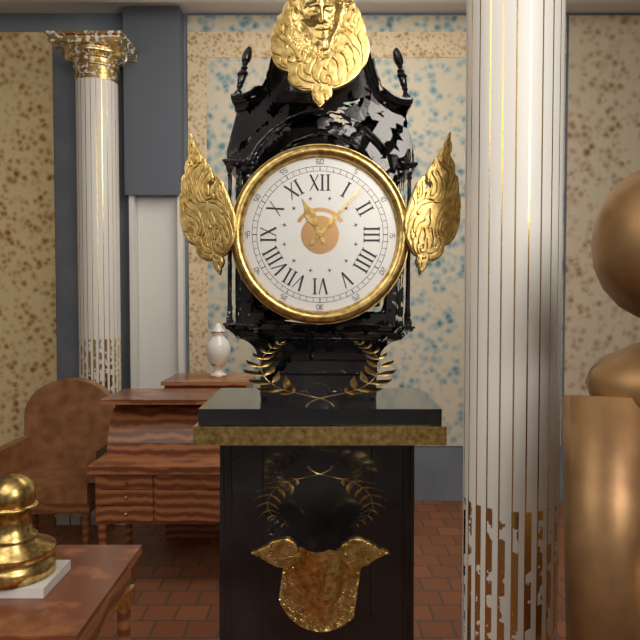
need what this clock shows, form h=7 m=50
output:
h=11 m=7
